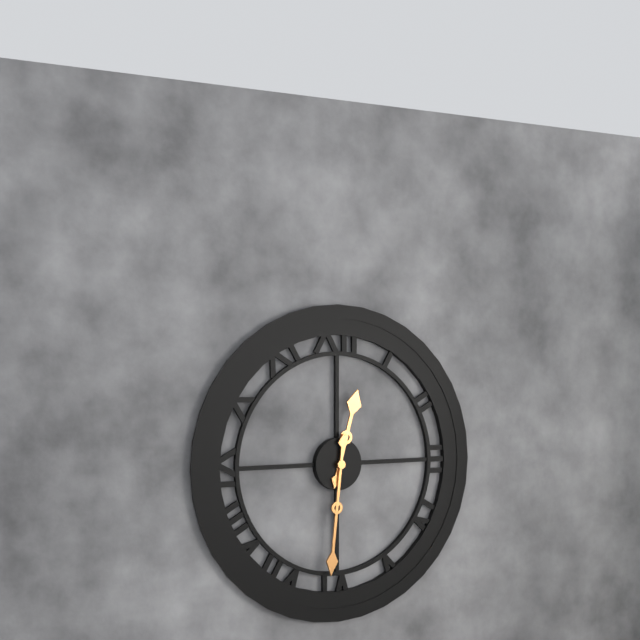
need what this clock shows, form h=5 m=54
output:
h=12 m=31
